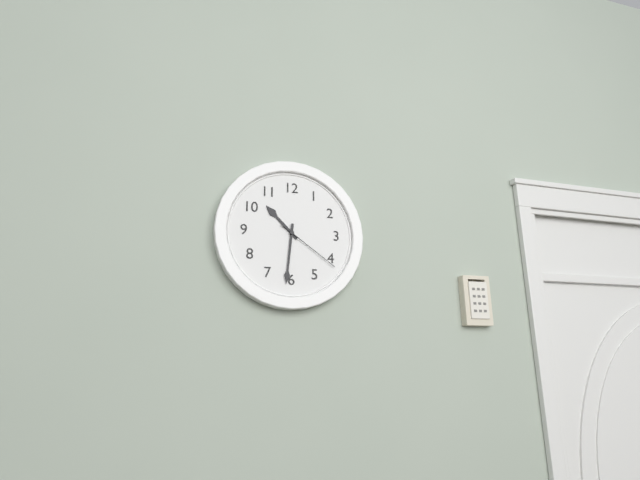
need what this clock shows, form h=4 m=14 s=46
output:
h=10 m=31 s=21
